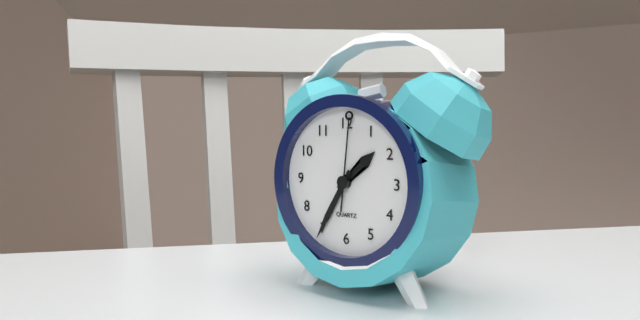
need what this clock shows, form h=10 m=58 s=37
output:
h=1 m=35 s=1
